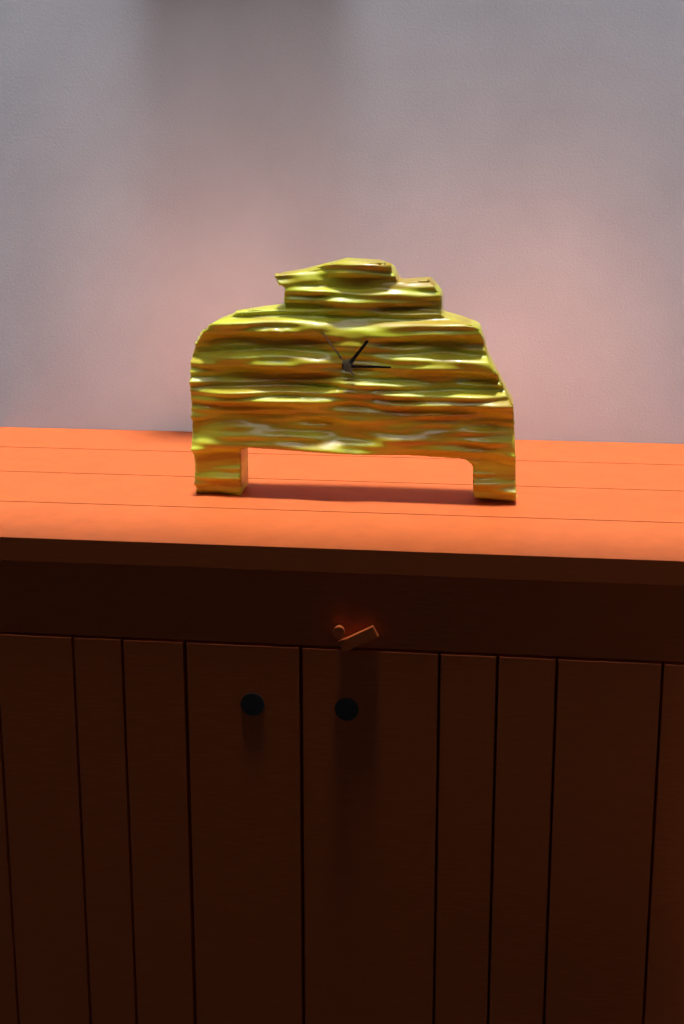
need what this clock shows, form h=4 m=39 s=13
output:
h=1 m=15 s=54
